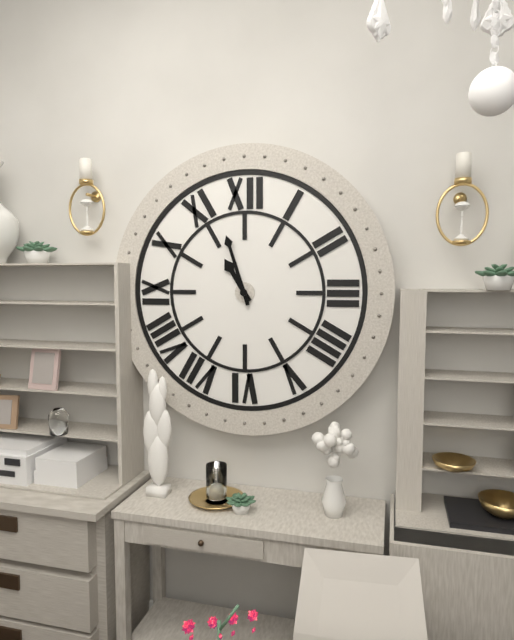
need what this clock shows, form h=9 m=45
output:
h=10 m=57
